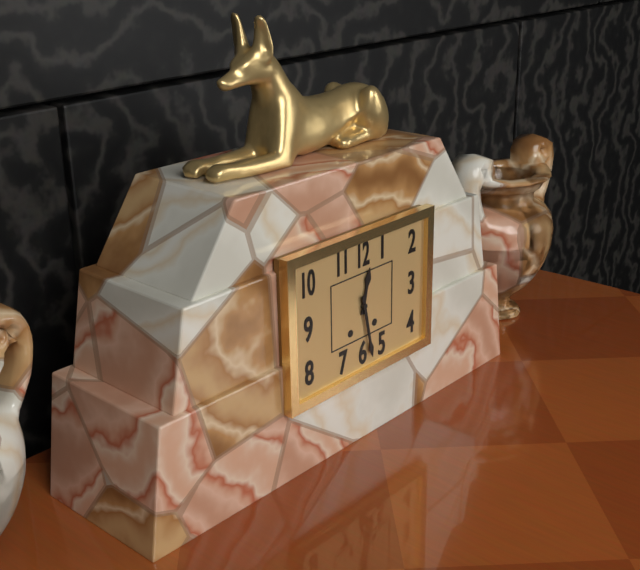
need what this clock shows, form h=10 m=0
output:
h=12 m=28
